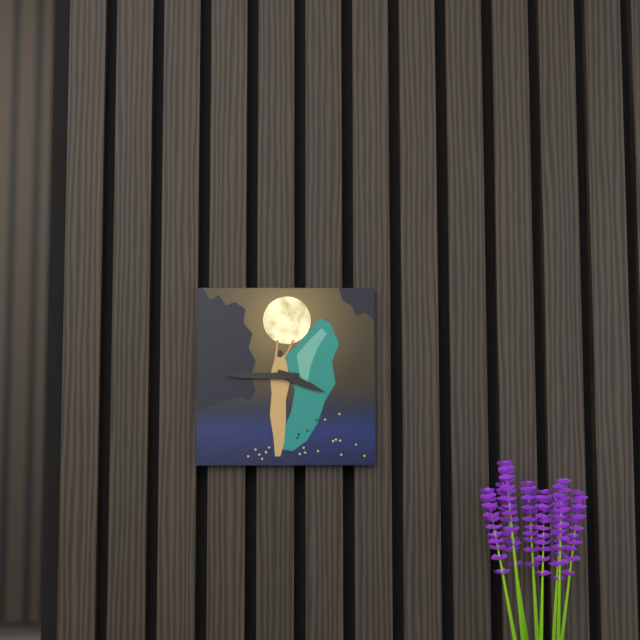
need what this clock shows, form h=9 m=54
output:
h=3 m=45
